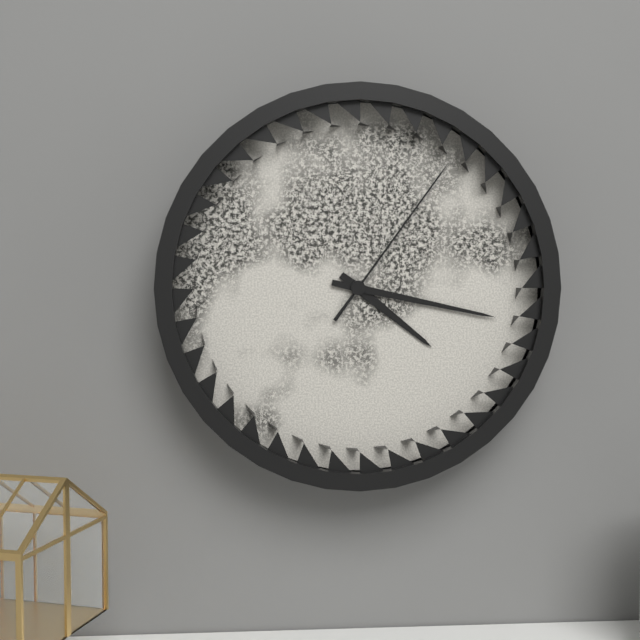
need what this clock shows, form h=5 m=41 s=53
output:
h=4 m=17 s=6
